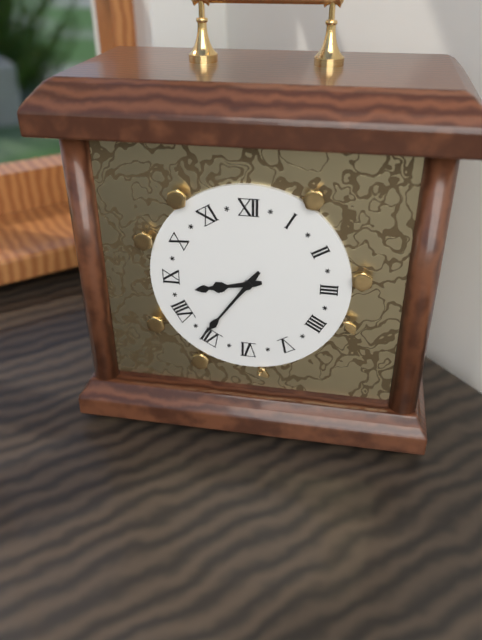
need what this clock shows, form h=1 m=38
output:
h=8 m=36
